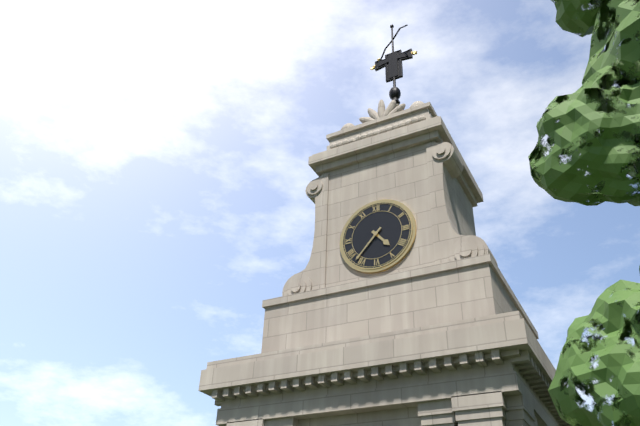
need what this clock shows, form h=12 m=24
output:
h=4 m=37
